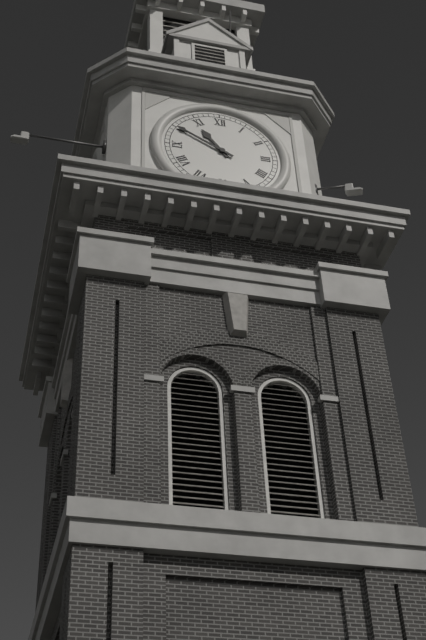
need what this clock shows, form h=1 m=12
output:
h=10 m=50
